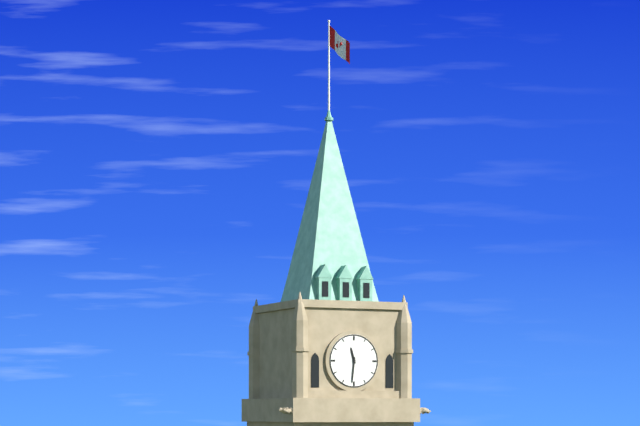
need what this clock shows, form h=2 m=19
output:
h=11 m=31
